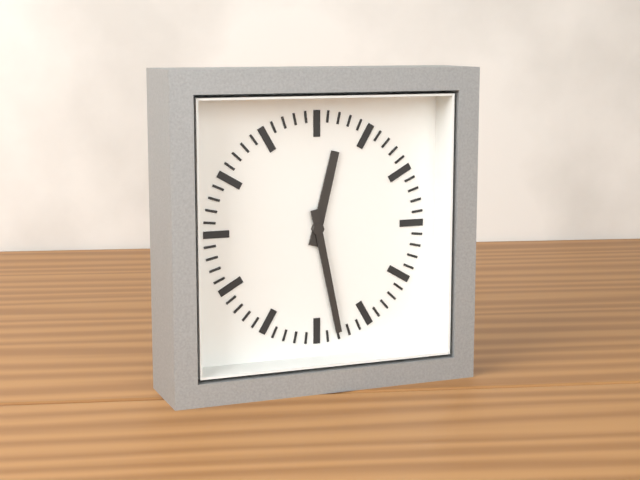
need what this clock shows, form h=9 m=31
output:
h=12 m=28
